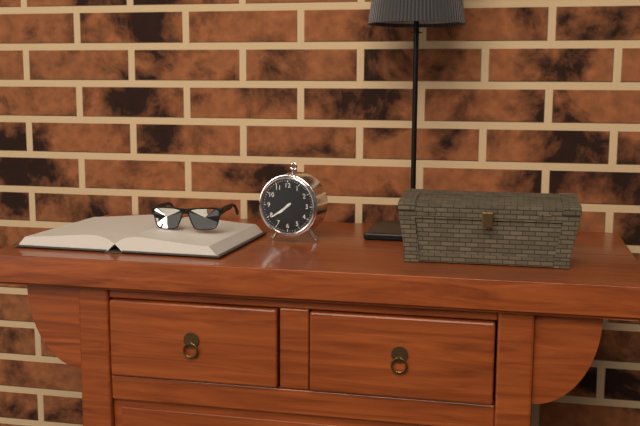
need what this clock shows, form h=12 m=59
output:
h=7 m=39
